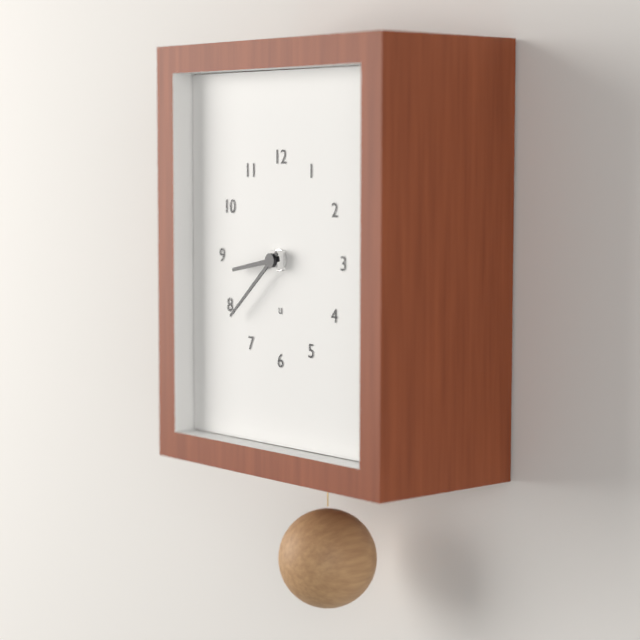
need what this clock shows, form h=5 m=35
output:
h=8 m=38
